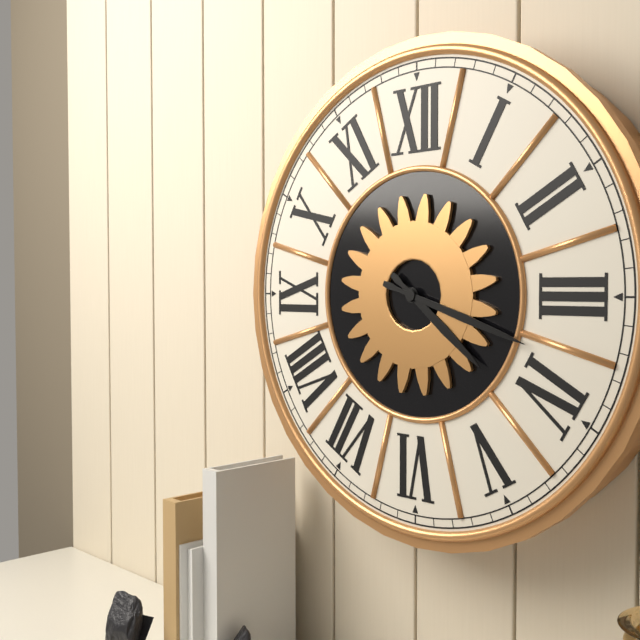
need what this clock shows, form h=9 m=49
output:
h=4 m=18
